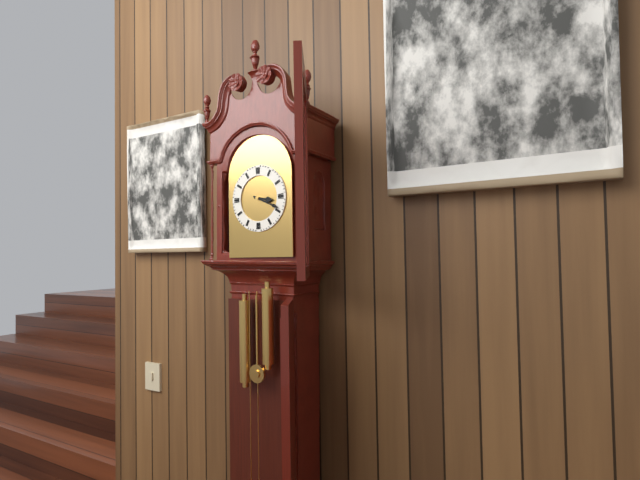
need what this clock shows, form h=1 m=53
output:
h=3 m=19
